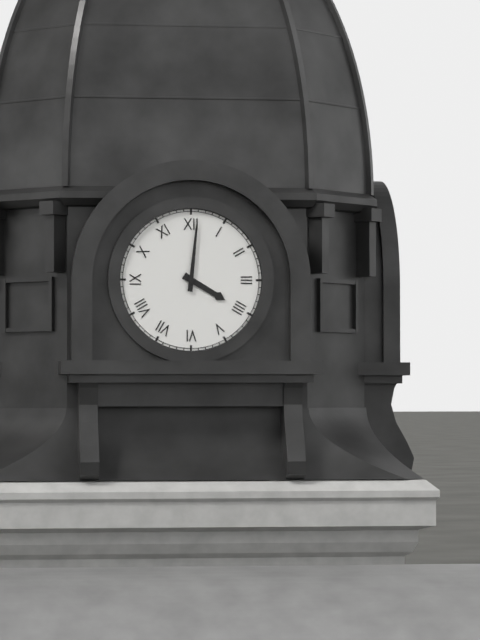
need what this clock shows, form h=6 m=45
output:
h=4 m=1
